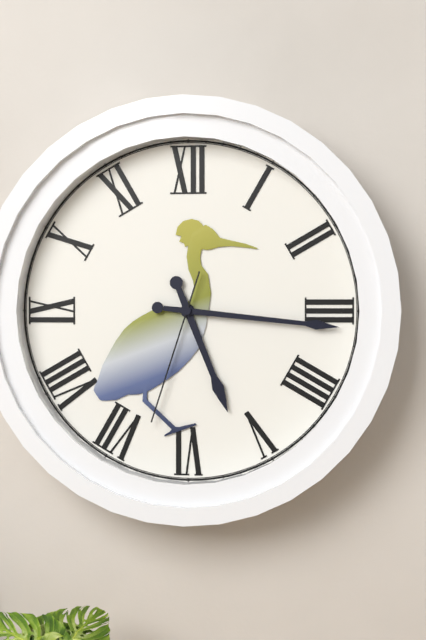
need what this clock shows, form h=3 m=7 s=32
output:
h=5 m=16 s=33
